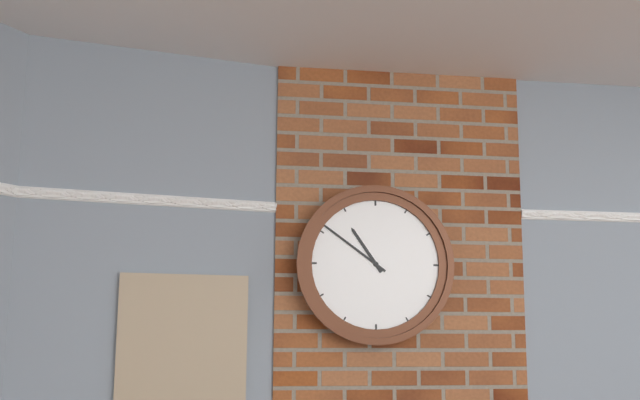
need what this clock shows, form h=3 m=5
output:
h=10 m=51
